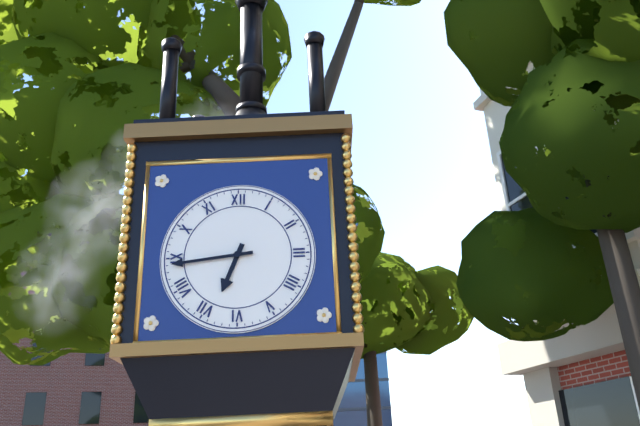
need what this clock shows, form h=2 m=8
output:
h=6 m=44
